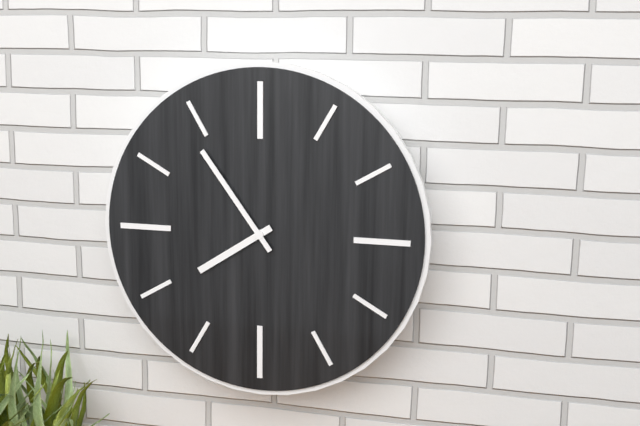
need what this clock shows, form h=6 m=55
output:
h=7 m=54
